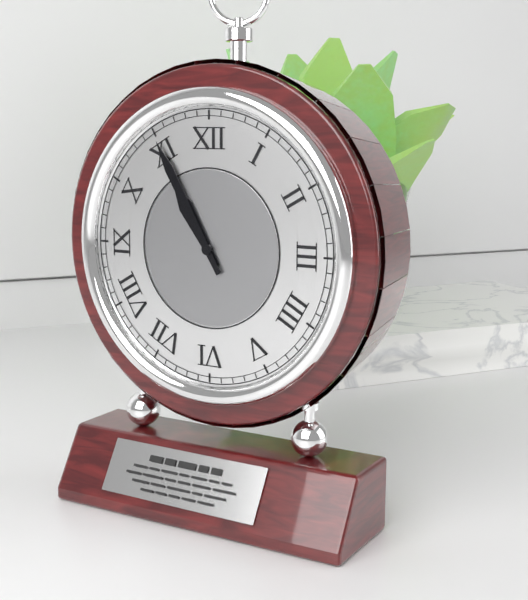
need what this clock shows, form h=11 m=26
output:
h=10 m=55
